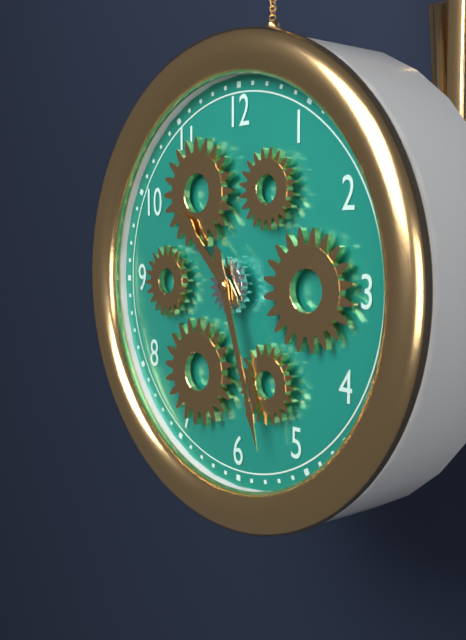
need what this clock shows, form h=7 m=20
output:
h=10 m=27
